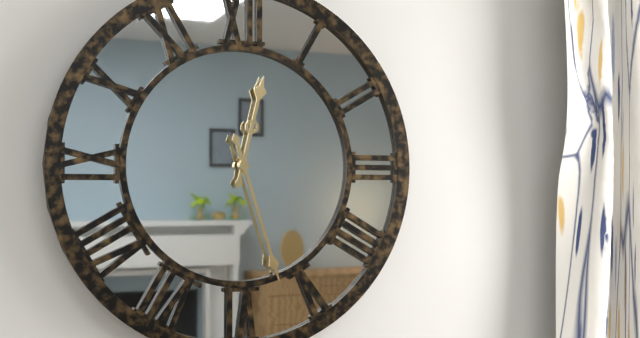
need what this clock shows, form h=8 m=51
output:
h=12 m=27
